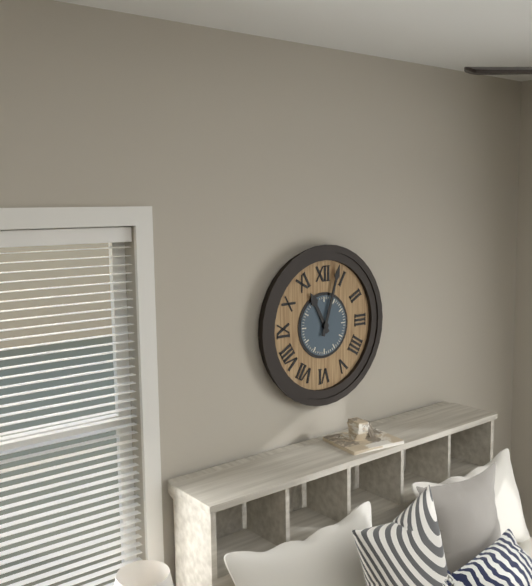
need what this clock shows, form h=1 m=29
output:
h=11 m=3
